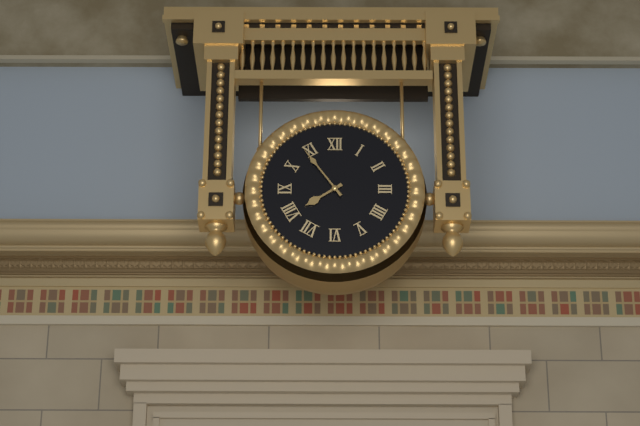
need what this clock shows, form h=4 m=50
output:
h=7 m=54
